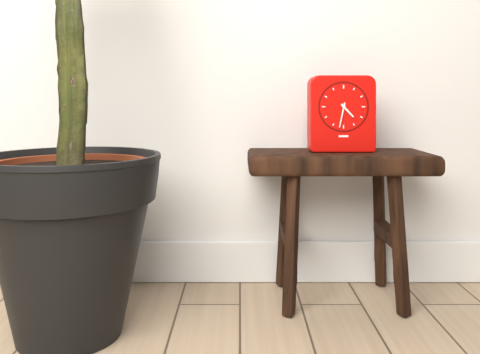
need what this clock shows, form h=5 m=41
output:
h=4 m=32
